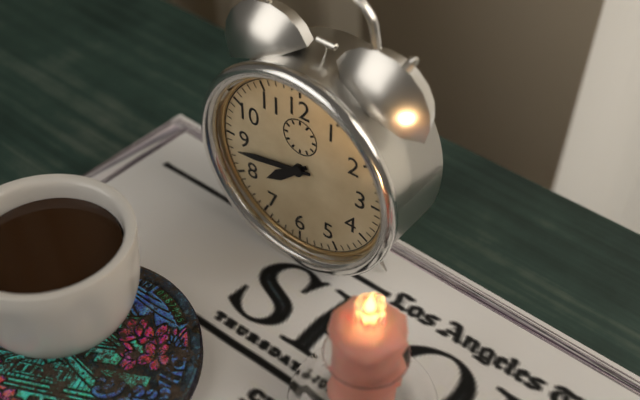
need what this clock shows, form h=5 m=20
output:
h=7 m=43
